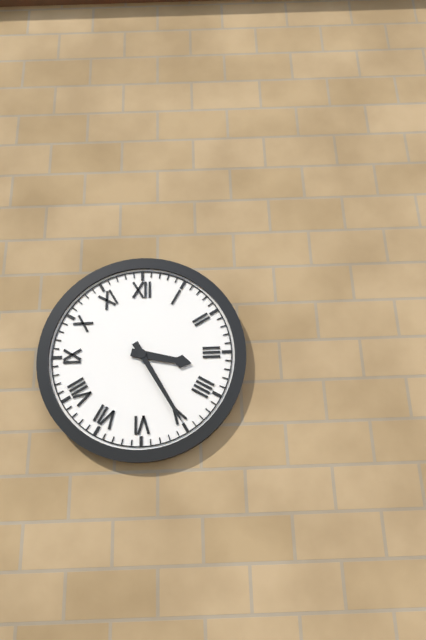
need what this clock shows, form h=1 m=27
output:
h=3 m=25
